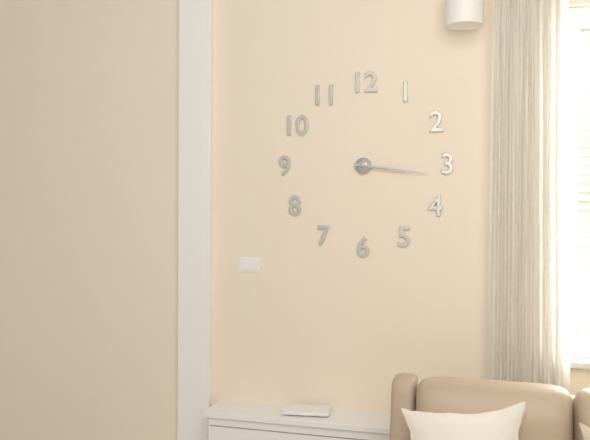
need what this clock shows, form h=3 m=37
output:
h=3 m=16
